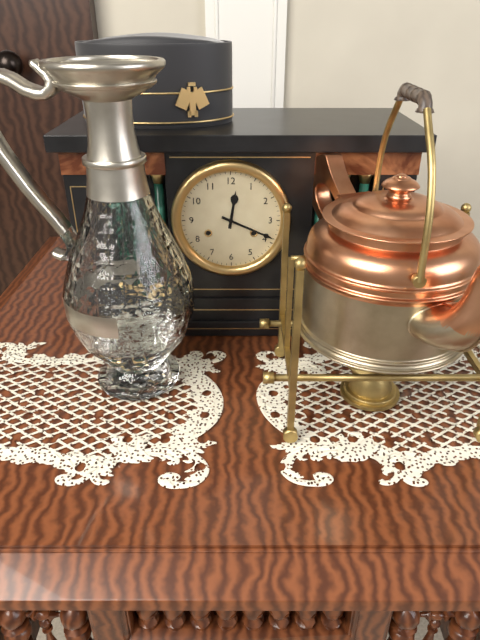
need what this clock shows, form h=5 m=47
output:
h=12 m=19
